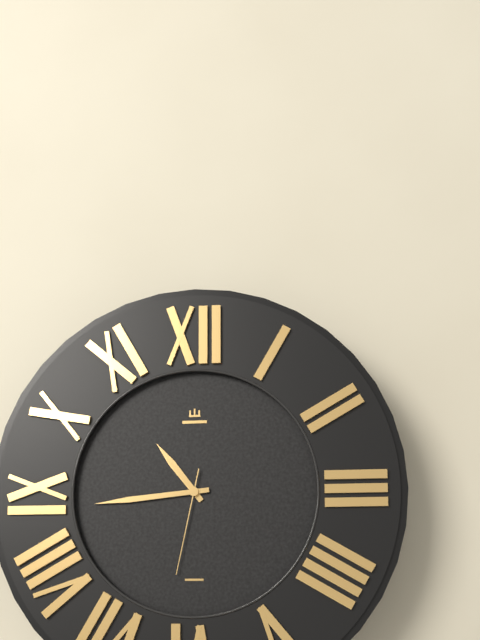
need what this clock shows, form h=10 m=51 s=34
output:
h=10 m=44 s=32
